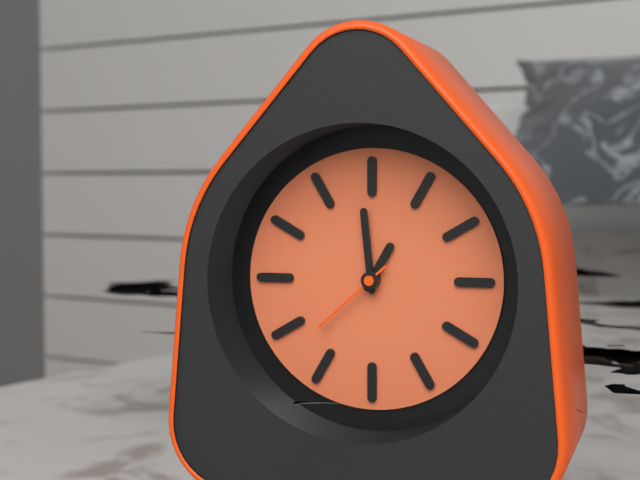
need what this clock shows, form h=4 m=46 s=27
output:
h=12 m=59 s=38
